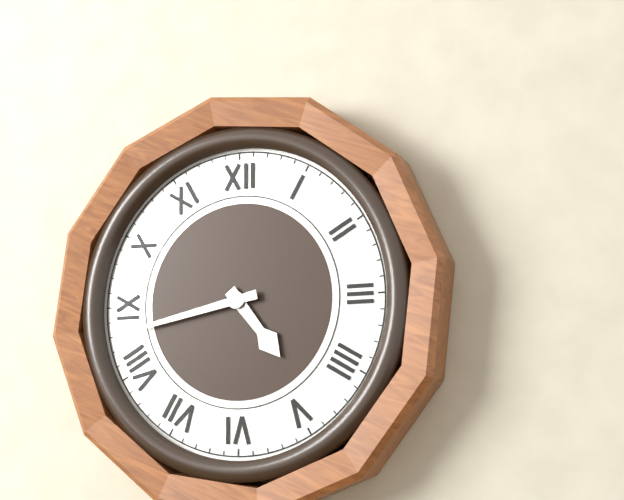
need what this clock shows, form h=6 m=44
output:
h=4 m=43
